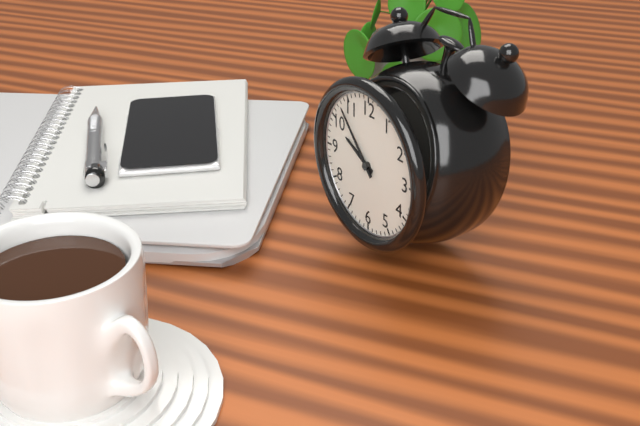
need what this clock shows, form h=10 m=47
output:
h=9 m=53
